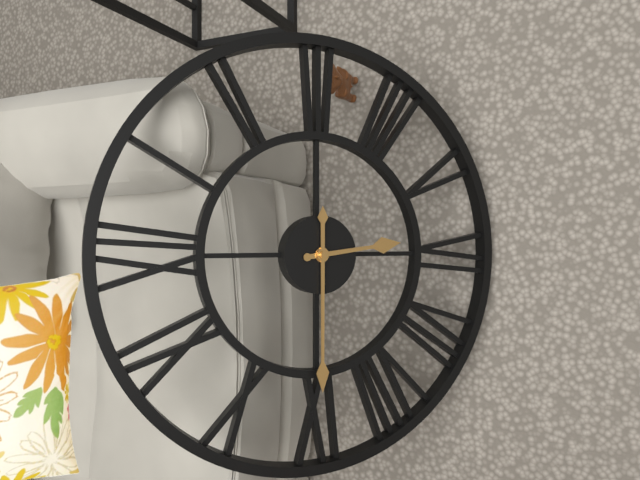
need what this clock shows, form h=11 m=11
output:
h=5 m=45
